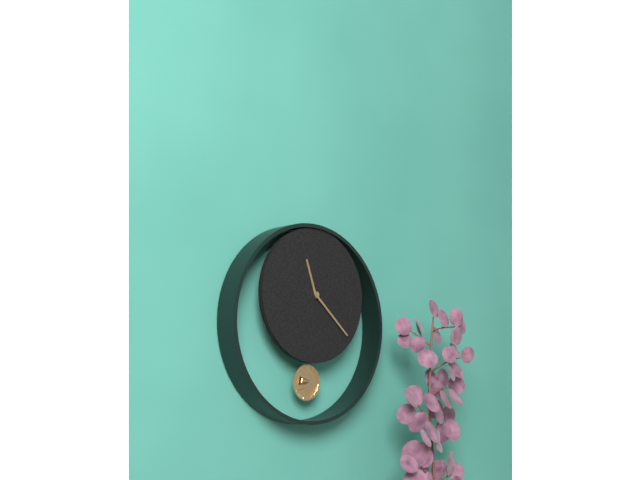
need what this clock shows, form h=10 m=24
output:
h=11 m=22
